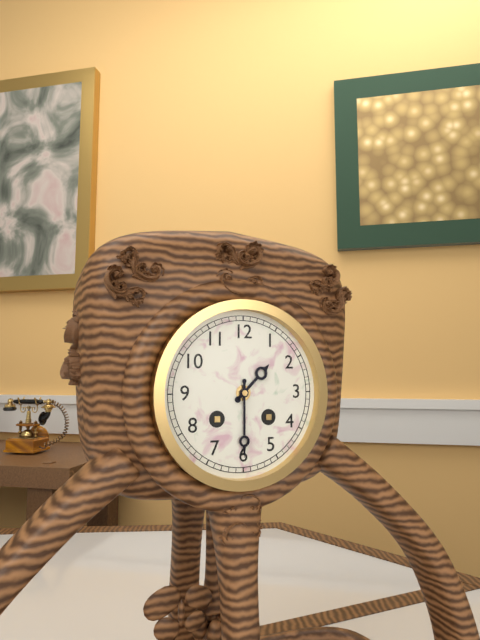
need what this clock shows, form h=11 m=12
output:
h=1 m=30
